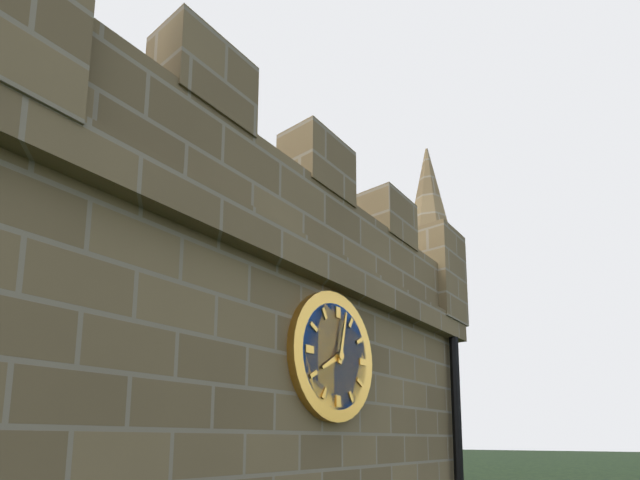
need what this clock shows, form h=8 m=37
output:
h=8 m=2
